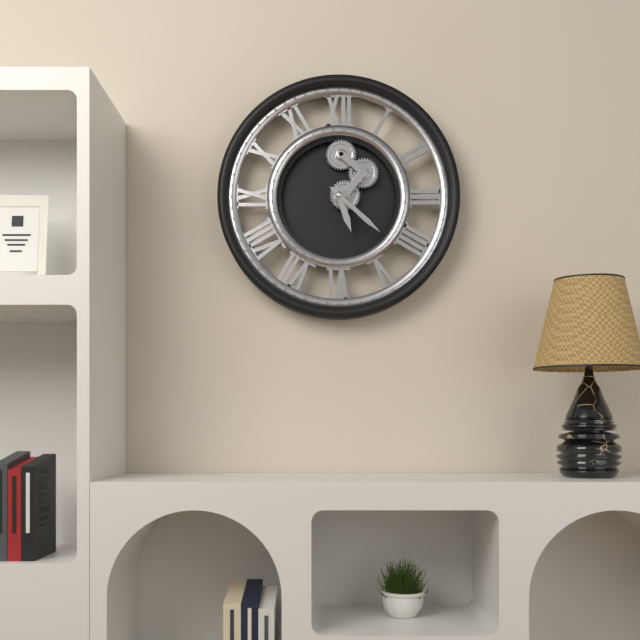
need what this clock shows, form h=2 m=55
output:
h=5 m=22
